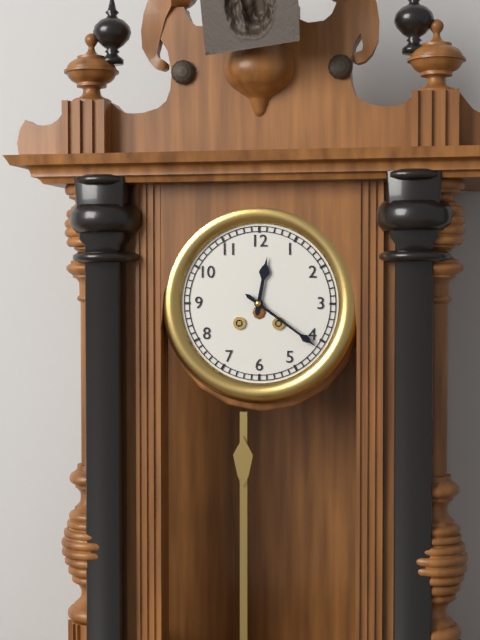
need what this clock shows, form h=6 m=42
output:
h=12 m=21
